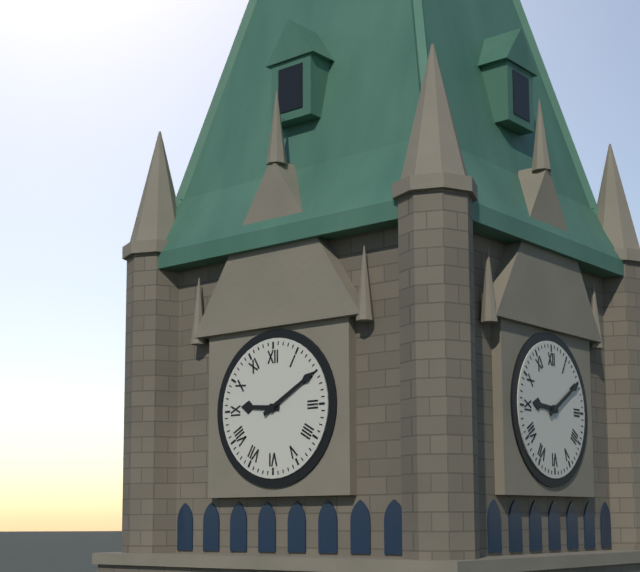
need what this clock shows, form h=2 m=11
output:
h=9 m=10
